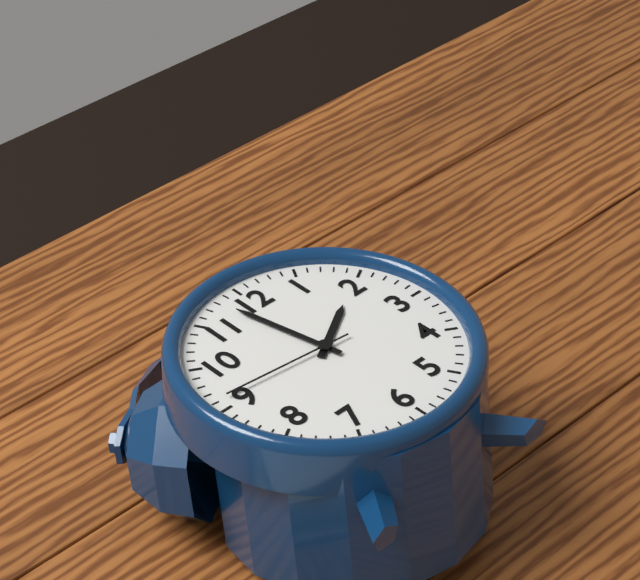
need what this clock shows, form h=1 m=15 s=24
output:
h=1 m=58 s=46
